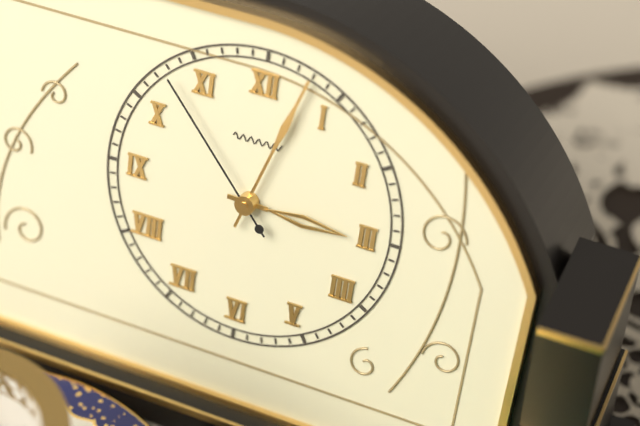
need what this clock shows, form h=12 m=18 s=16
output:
h=3 m=3 s=53
